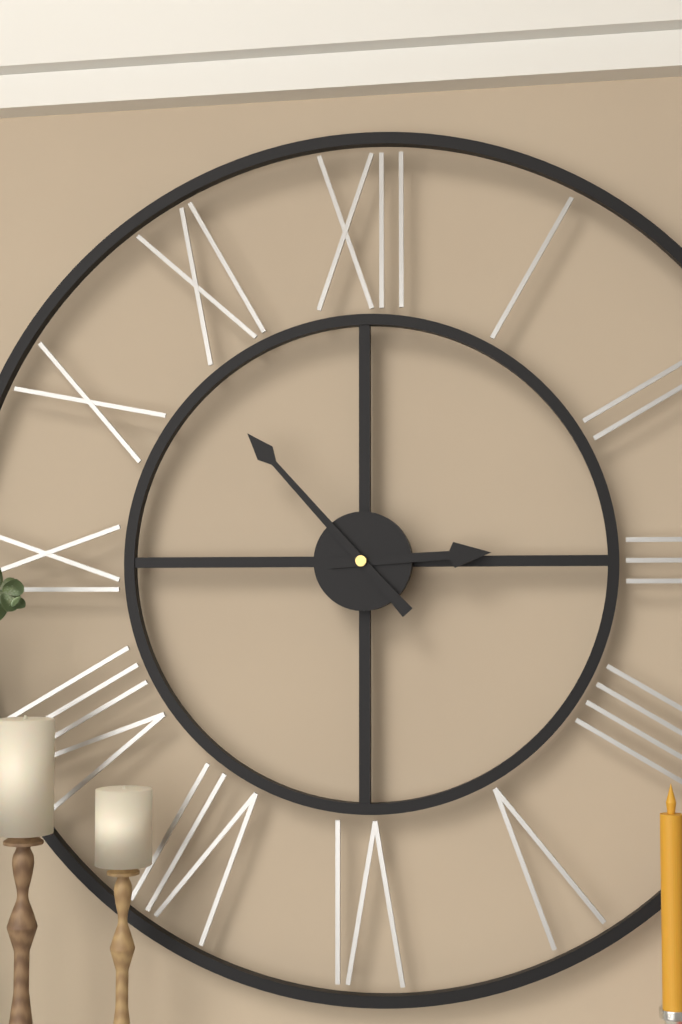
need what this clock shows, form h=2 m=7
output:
h=2 m=53
